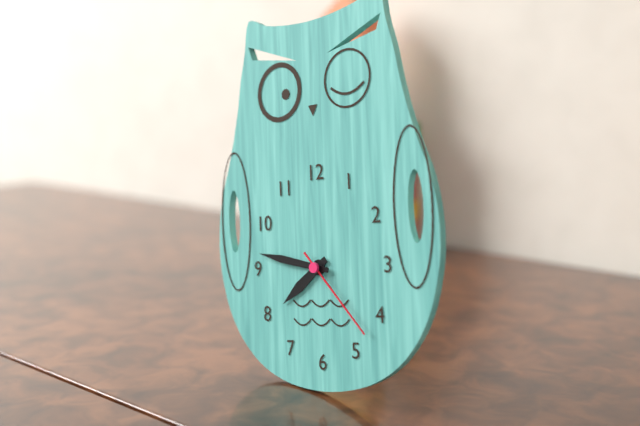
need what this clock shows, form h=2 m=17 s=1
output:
h=7 m=47 s=23
